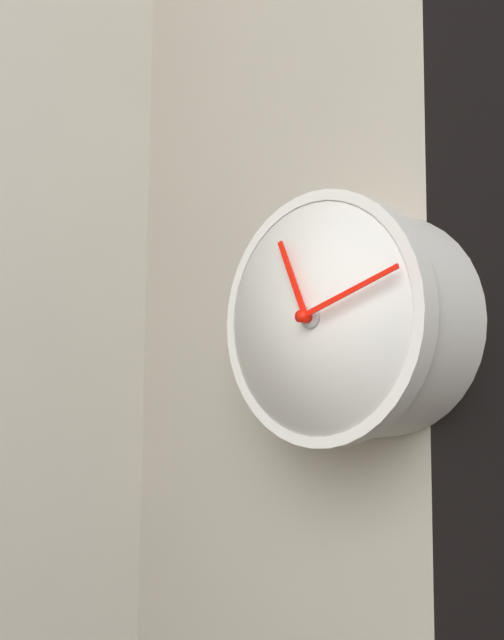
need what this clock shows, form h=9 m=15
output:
h=11 m=12
